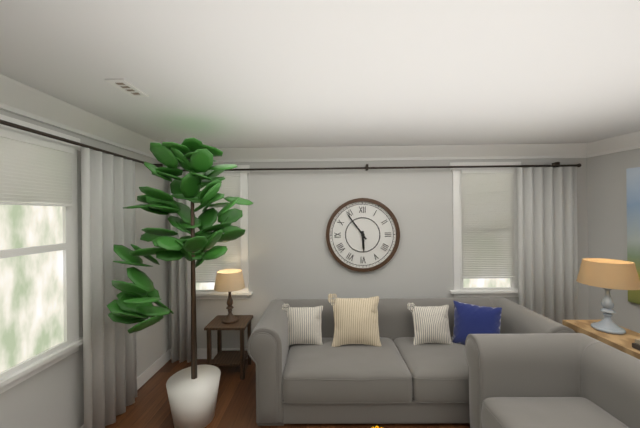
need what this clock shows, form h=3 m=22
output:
h=5 m=54
